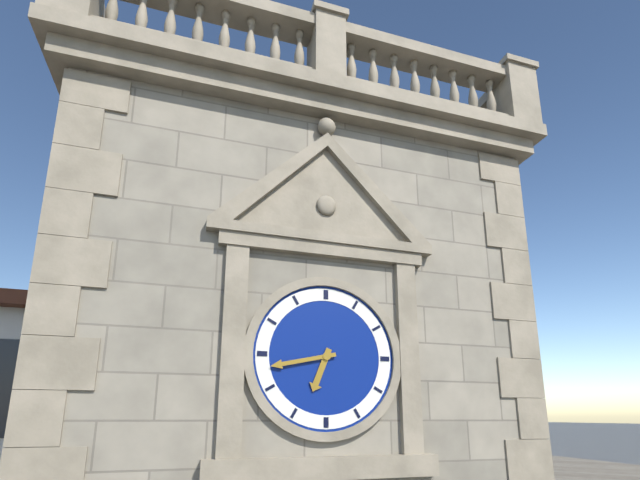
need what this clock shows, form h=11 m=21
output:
h=6 m=43
